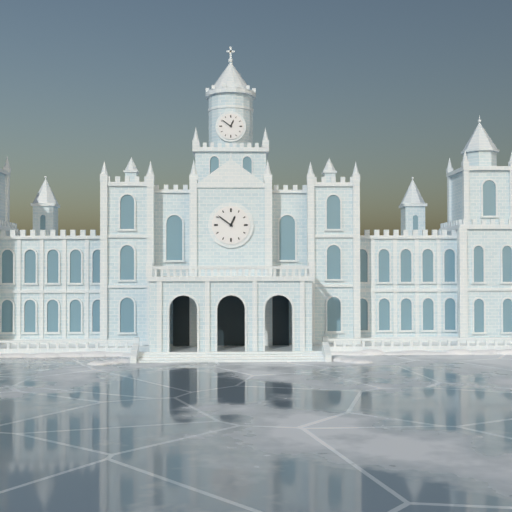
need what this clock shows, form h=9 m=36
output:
h=12 m=51
